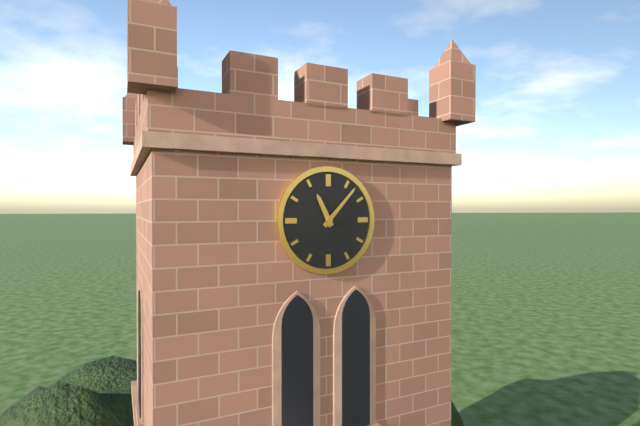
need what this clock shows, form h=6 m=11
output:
h=11 m=7
